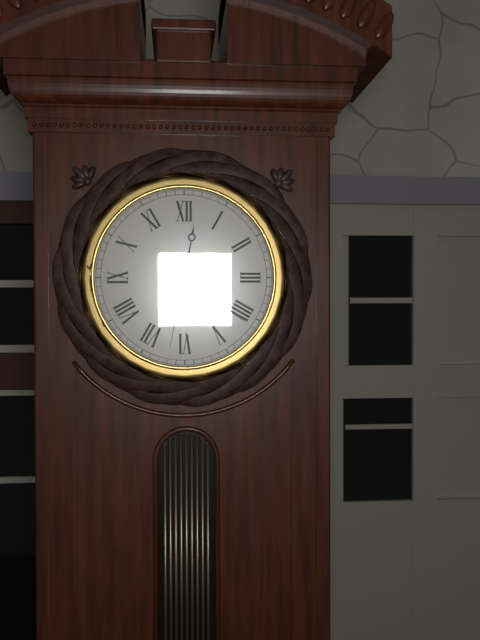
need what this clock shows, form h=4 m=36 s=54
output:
h=12 m=21 s=32
